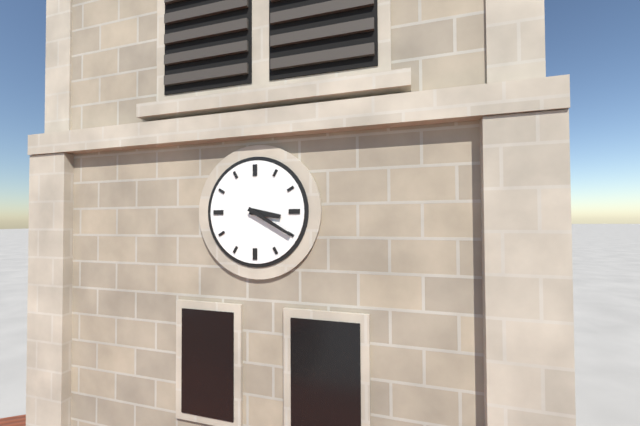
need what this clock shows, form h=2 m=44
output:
h=3 m=20
